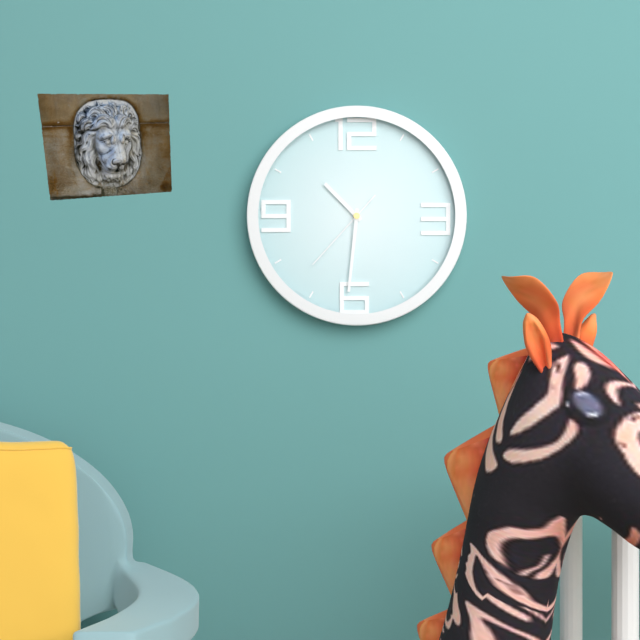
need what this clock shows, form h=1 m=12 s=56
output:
h=10 m=31 s=37
